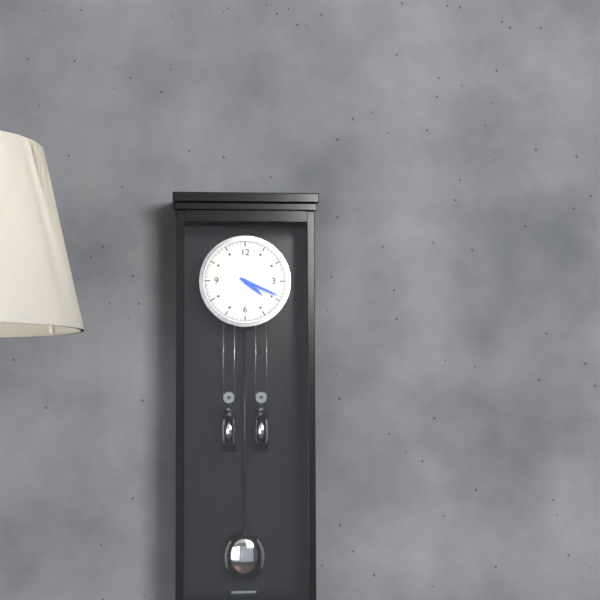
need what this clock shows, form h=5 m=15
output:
h=4 m=19
